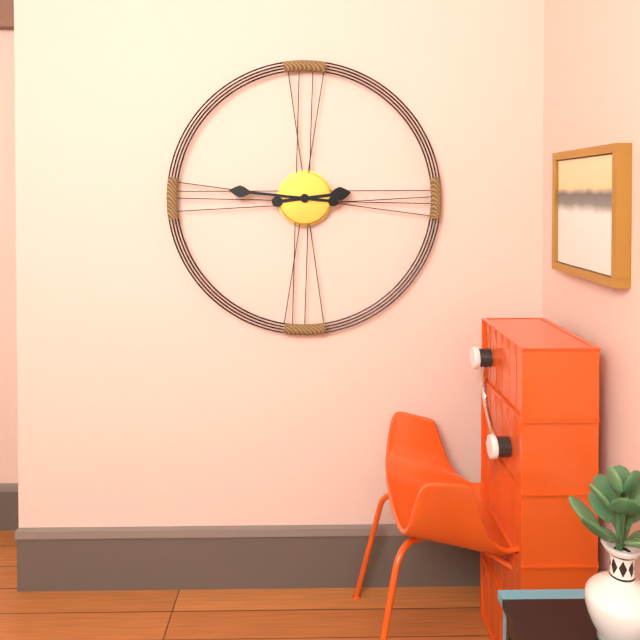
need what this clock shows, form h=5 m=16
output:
h=2 m=46
